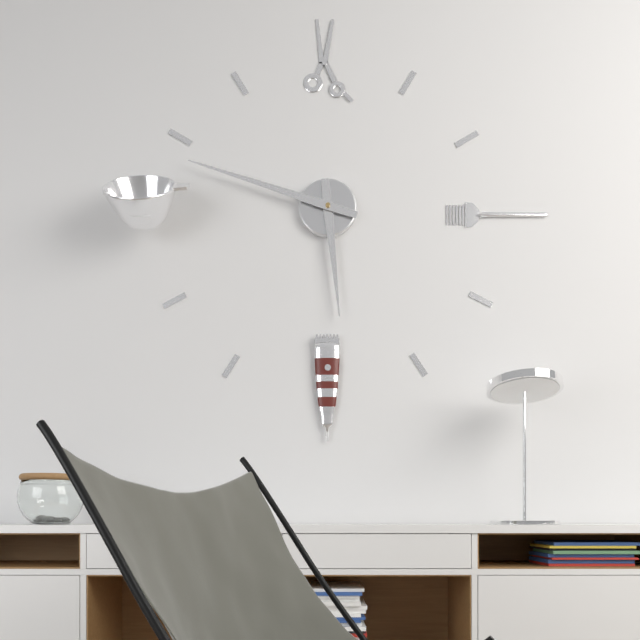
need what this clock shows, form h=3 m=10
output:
h=5 m=48
